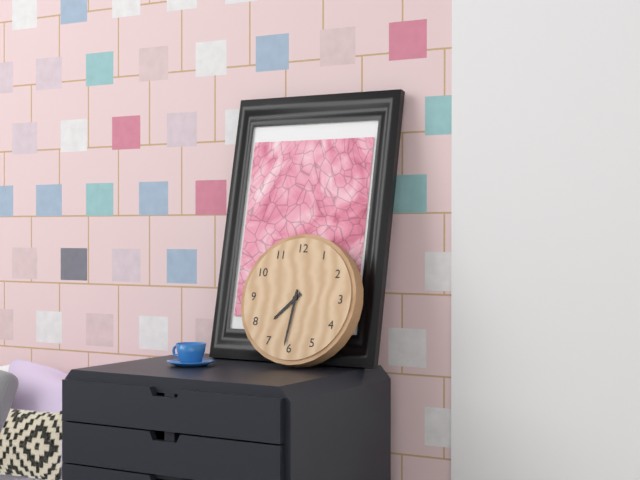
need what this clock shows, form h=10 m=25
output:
h=7 m=31
